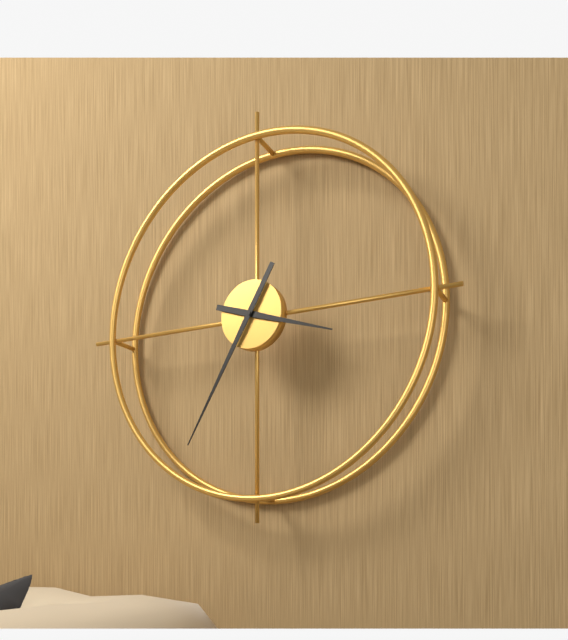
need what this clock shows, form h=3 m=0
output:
h=3 m=35
